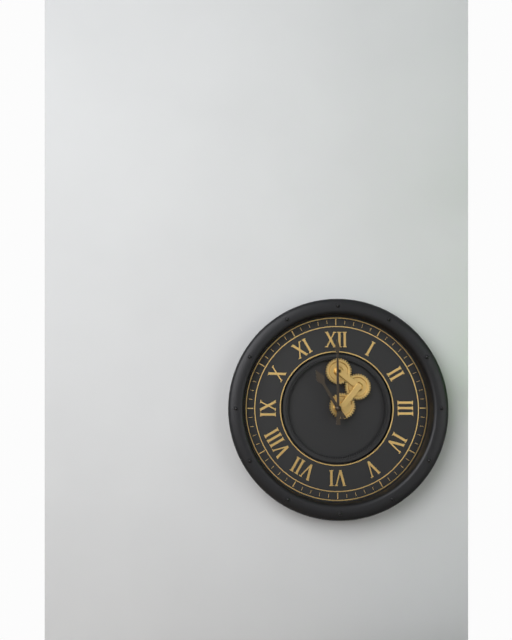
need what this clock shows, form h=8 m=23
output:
h=11 m=0
